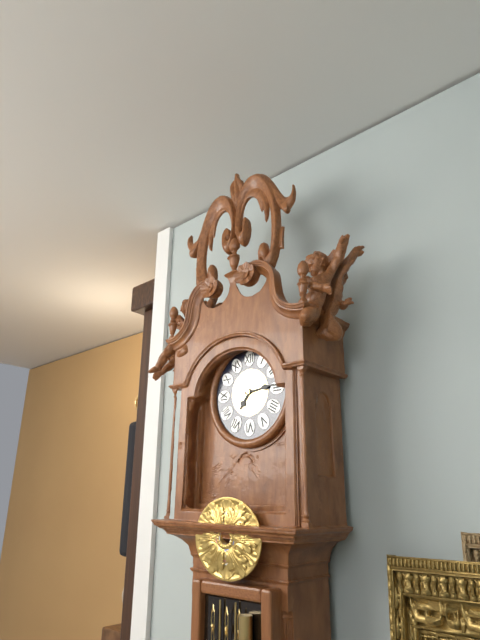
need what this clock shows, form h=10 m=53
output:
h=7 m=14
